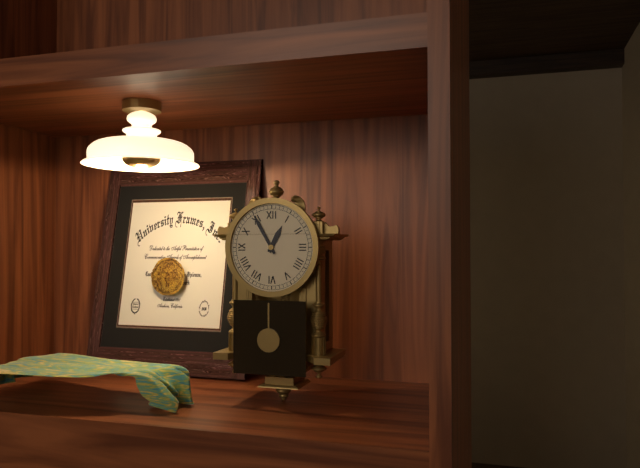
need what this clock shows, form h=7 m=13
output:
h=12 m=55
